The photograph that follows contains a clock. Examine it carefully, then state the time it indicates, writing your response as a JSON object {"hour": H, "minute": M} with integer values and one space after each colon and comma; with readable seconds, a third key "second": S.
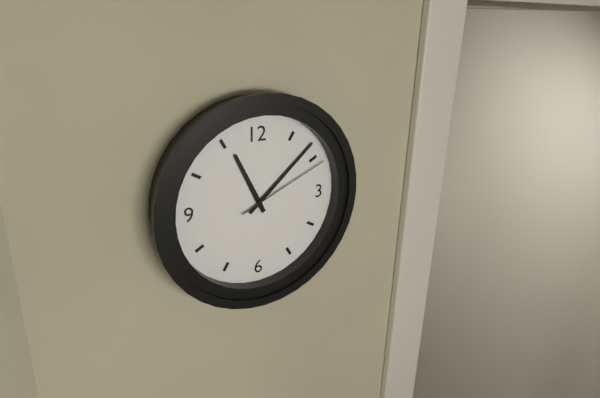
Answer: {"hour": 11, "minute": 8, "second": 11}
